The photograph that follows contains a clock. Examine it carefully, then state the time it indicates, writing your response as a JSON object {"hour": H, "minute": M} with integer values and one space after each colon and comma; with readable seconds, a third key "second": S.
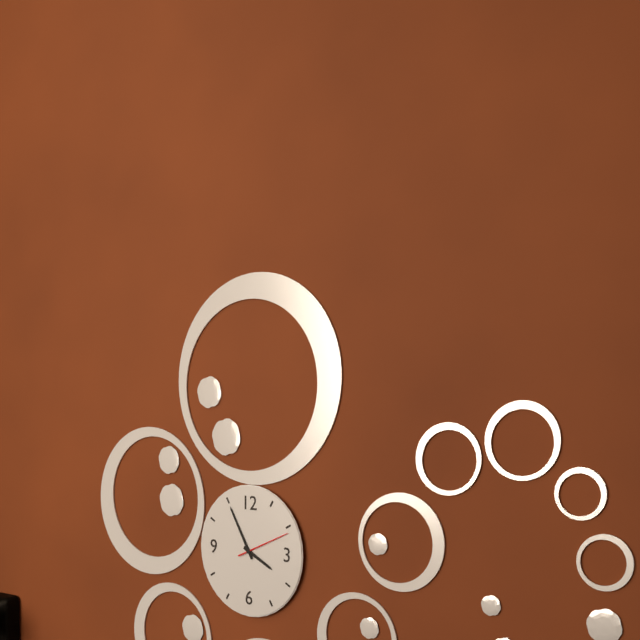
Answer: {"hour": 3, "minute": 55}
